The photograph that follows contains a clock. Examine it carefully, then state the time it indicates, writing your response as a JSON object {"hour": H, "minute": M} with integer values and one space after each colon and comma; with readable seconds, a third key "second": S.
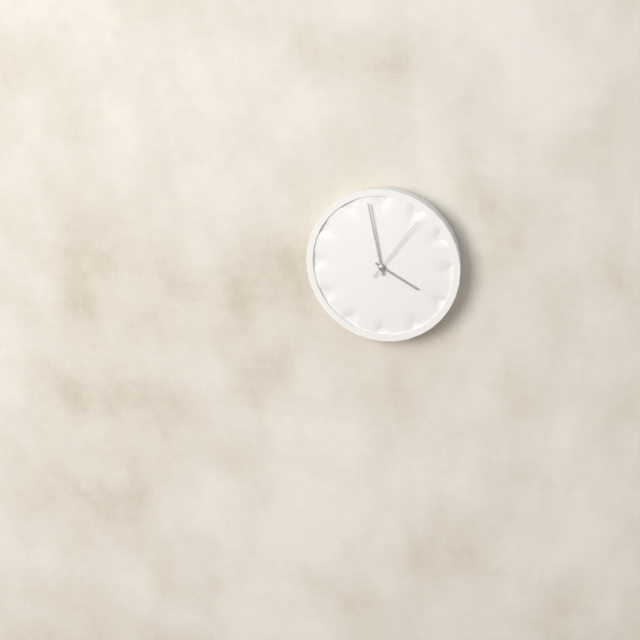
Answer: {"hour": 3, "minute": 58, "second": 6}
